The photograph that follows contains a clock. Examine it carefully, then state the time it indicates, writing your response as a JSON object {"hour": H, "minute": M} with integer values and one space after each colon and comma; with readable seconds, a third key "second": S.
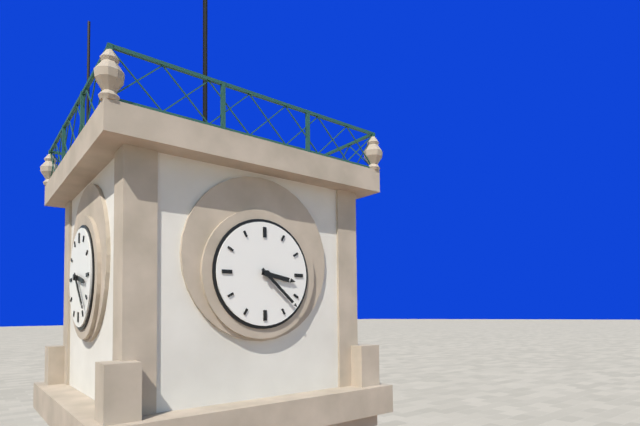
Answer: {"hour": 3, "minute": 22}
